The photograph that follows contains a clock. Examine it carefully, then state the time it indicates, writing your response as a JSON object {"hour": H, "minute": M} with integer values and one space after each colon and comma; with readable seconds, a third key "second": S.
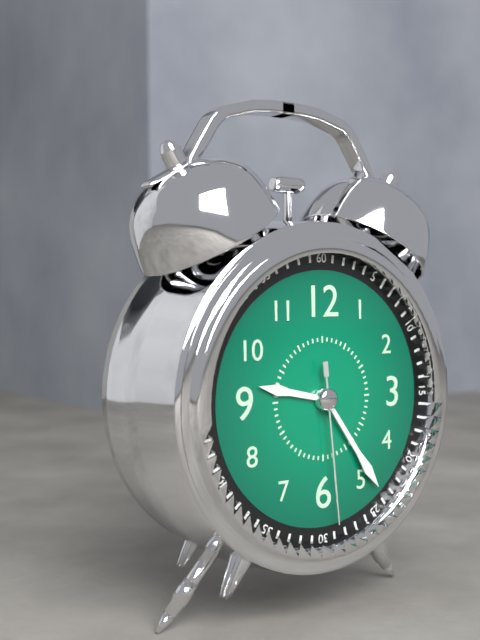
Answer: {"hour": 9, "minute": 24, "second": 29}
